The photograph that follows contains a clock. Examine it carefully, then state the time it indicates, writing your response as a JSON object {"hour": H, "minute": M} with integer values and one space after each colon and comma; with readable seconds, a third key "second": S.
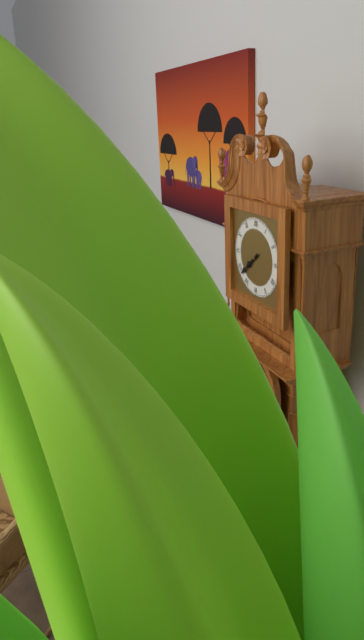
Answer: {"hour": 7, "minute": 38}
